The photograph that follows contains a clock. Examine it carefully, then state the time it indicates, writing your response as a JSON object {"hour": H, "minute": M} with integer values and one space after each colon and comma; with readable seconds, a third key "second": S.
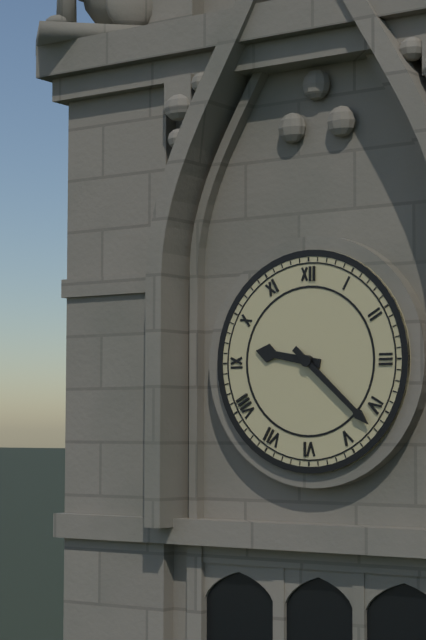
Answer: {"hour": 9, "minute": 22}
